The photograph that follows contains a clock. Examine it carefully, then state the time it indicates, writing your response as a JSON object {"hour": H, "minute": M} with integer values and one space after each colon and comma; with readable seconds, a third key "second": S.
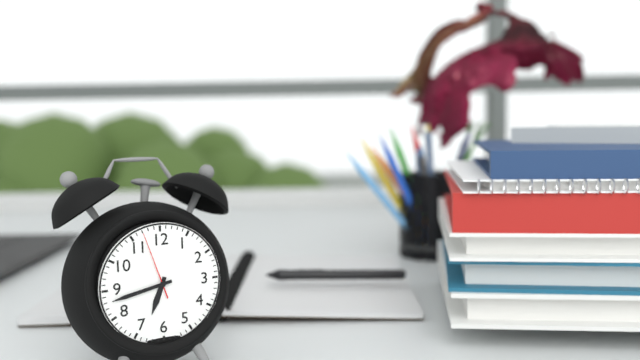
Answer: {"hour": 6, "minute": 43, "second": 57}
